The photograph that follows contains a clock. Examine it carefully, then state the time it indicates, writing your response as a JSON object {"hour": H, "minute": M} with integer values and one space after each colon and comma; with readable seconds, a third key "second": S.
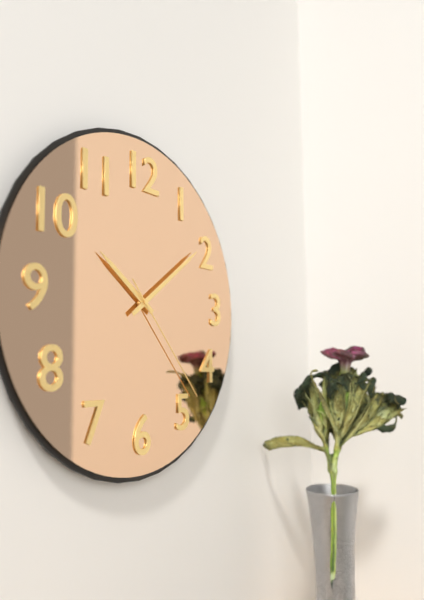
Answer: {"hour": 10, "minute": 9, "second": 23}
